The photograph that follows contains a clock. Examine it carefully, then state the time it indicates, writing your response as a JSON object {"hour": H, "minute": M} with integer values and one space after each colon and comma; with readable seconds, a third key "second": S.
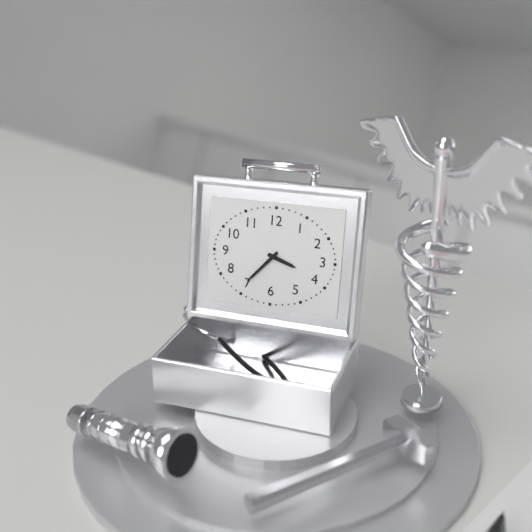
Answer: {"hour": 3, "minute": 37}
